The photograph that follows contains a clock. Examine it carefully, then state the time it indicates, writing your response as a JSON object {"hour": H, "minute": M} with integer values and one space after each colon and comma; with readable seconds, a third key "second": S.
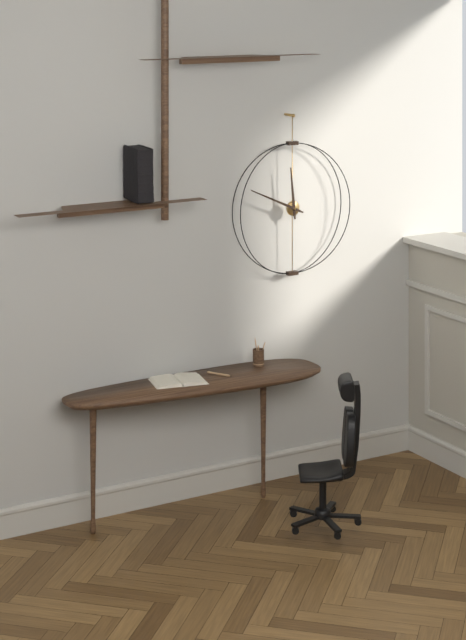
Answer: {"hour": 11, "minute": 49}
